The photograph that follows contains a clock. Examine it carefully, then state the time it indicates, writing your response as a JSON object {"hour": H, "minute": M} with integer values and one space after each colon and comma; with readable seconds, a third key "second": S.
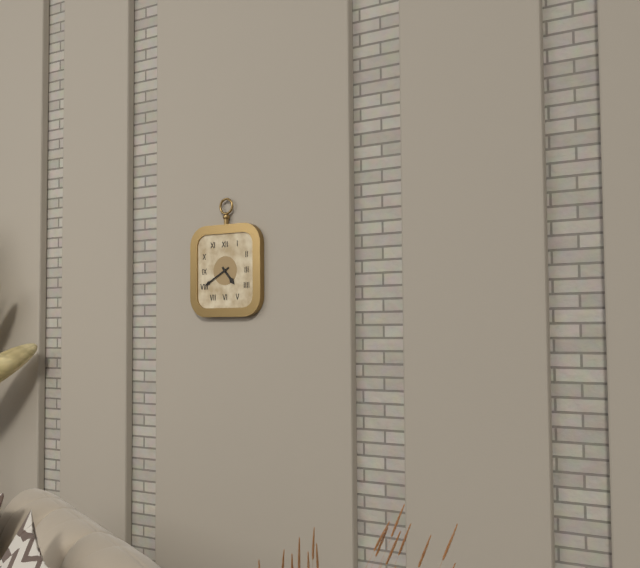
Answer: {"hour": 4, "minute": 40}
